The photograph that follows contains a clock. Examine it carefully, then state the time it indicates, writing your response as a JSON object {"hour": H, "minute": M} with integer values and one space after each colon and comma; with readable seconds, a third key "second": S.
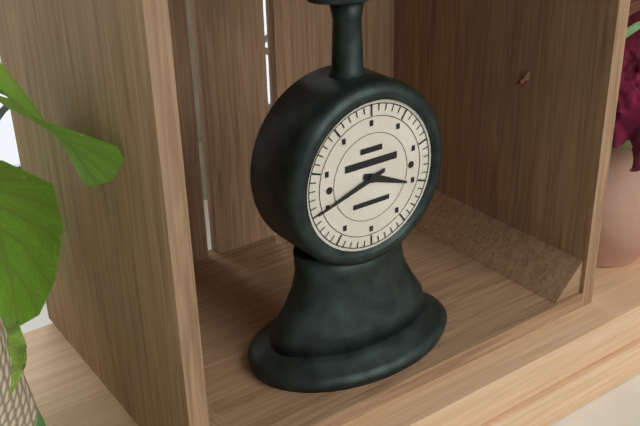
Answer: {"hour": 3, "minute": 42}
